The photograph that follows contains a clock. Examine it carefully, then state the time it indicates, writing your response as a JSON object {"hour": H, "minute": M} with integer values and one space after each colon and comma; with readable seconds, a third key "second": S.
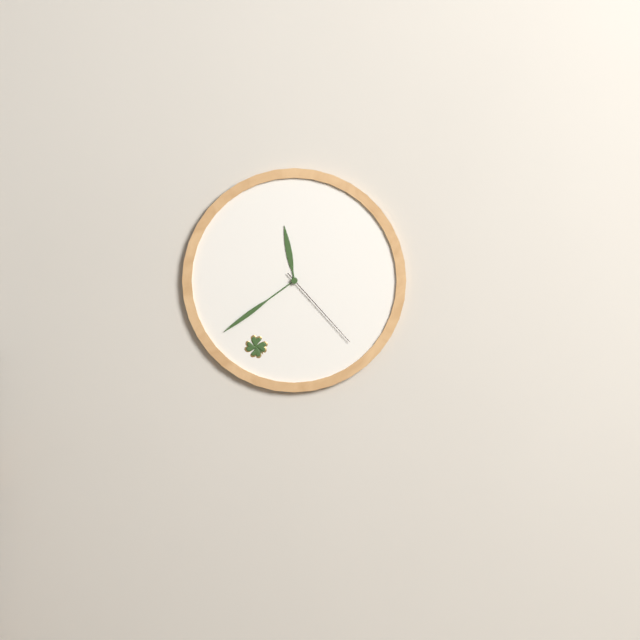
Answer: {"hour": 11, "minute": 39, "second": 23}
